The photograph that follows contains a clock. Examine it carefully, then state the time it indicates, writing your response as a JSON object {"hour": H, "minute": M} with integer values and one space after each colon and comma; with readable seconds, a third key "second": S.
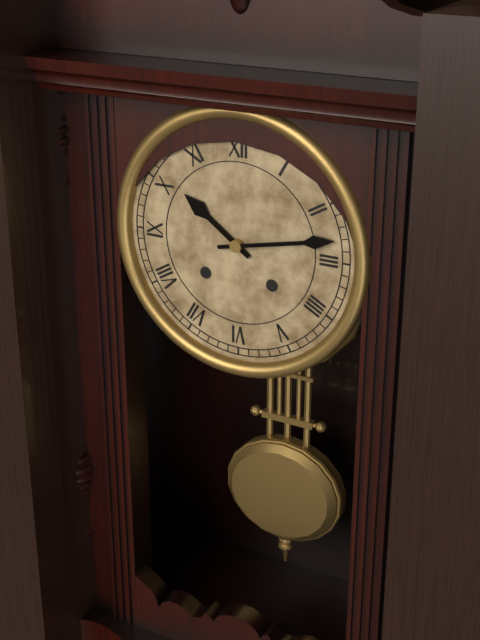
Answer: {"hour": 10, "minute": 13}
